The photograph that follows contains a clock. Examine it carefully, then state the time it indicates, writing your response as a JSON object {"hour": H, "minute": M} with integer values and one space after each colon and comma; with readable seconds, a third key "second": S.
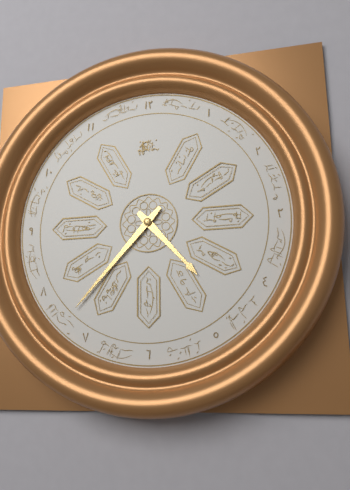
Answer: {"hour": 4, "minute": 37}
